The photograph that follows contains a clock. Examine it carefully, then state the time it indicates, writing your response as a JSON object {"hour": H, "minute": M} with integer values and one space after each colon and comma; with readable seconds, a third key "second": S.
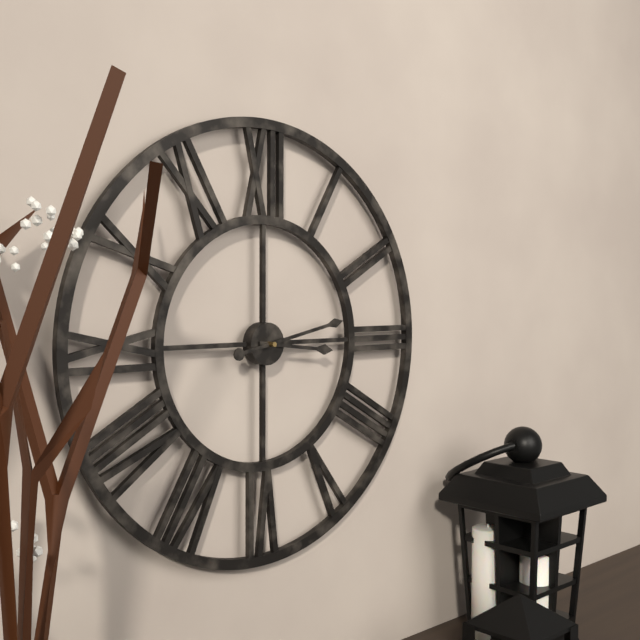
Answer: {"hour": 3, "minute": 13}
